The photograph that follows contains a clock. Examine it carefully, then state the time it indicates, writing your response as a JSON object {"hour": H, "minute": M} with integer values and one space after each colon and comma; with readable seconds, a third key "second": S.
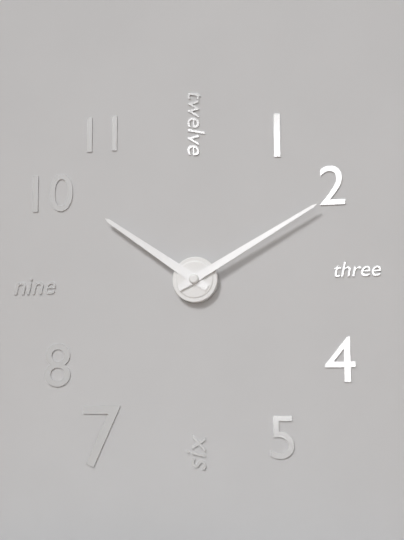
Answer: {"hour": 10, "minute": 10}
